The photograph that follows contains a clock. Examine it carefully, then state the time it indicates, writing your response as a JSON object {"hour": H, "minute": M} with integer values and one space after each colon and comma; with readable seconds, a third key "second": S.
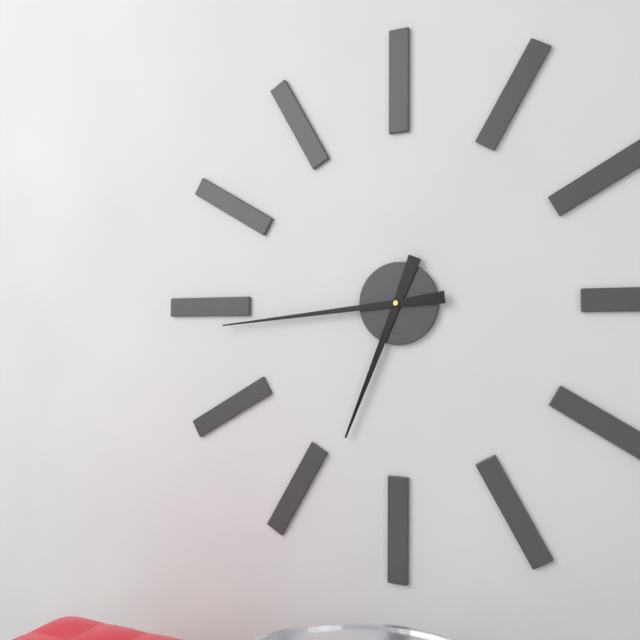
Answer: {"hour": 6, "minute": 44}
